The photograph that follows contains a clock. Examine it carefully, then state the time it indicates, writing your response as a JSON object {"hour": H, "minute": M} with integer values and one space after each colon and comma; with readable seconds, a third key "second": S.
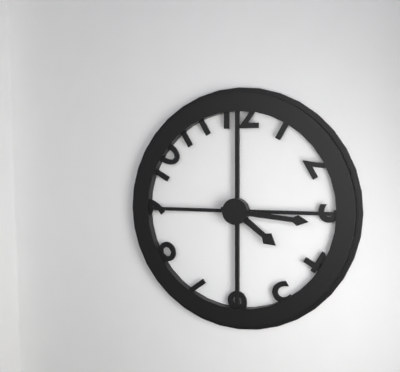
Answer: {"hour": 4, "minute": 16}
